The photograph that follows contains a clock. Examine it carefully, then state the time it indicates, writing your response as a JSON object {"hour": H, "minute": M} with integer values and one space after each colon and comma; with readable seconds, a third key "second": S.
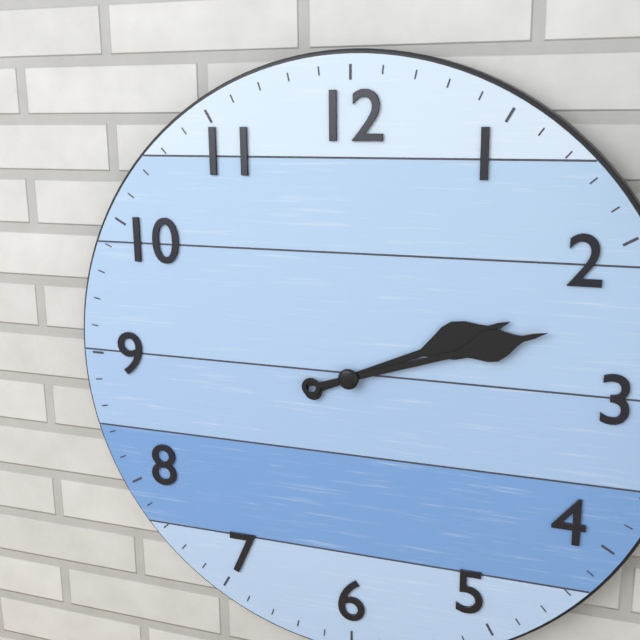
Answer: {"hour": 2, "minute": 12}
